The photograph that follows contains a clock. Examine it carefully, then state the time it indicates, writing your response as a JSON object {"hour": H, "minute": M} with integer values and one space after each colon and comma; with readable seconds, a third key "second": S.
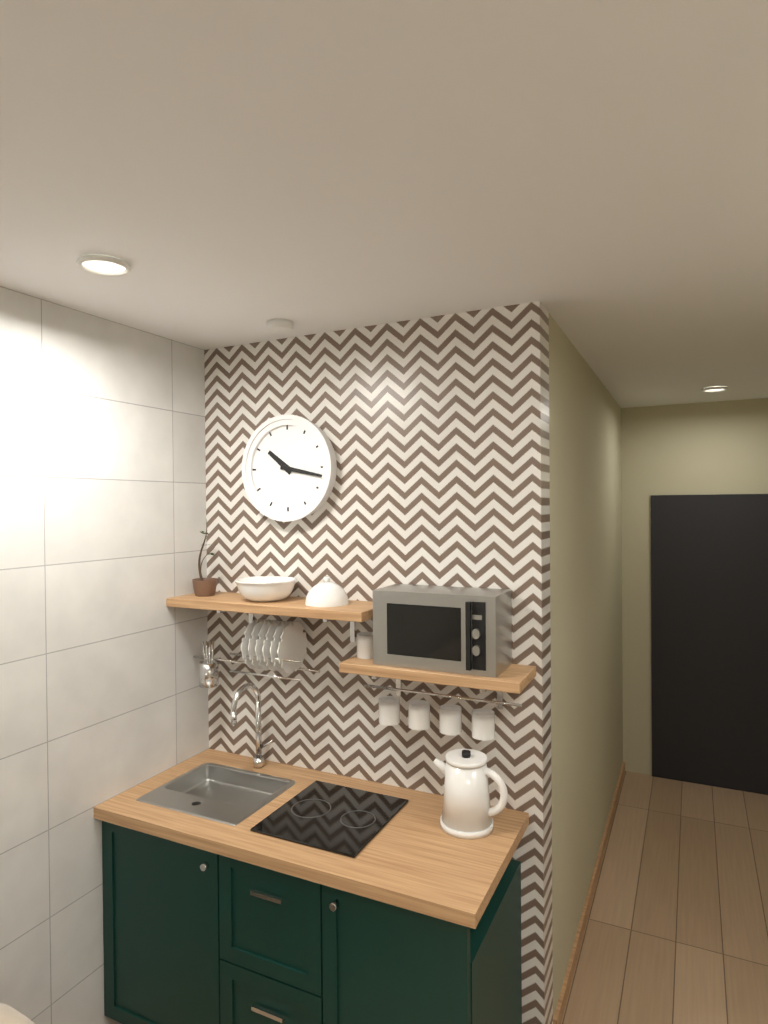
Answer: {"hour": 10, "minute": 17}
